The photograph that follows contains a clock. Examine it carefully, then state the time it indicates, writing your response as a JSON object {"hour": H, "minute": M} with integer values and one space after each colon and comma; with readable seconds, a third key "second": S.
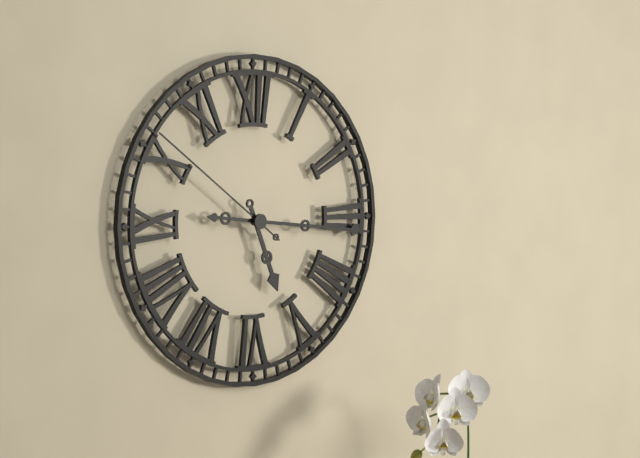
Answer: {"hour": 5, "minute": 16, "second": 51}
